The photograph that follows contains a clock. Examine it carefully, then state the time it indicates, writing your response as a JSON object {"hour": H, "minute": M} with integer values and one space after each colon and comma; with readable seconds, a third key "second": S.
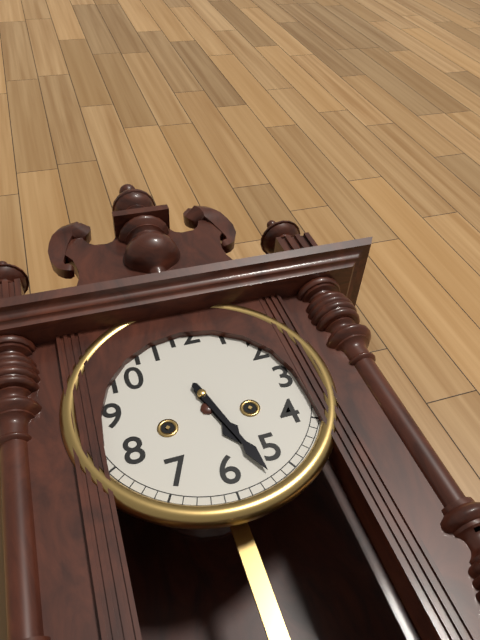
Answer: {"hour": 5, "minute": 27}
